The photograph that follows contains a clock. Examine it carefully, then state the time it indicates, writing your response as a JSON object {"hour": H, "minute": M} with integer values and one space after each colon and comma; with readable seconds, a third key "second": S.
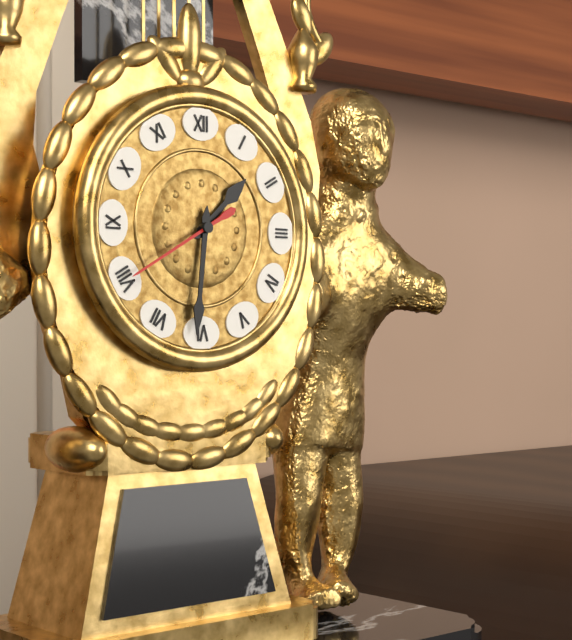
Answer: {"hour": 1, "minute": 31, "second": 40}
